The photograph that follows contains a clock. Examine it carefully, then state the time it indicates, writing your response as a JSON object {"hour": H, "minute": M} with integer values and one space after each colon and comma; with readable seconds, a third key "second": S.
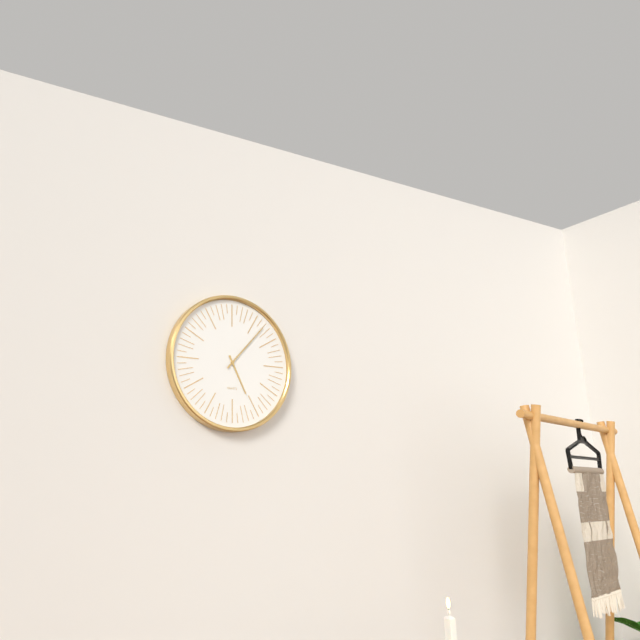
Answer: {"hour": 5, "minute": 7}
